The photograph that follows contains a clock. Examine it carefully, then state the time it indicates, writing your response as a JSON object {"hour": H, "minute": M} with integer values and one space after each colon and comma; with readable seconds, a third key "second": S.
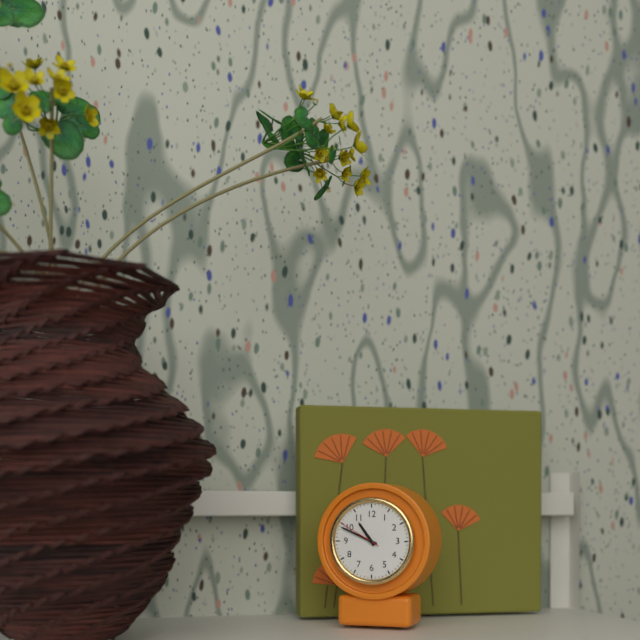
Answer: {"hour": 10, "minute": 49}
